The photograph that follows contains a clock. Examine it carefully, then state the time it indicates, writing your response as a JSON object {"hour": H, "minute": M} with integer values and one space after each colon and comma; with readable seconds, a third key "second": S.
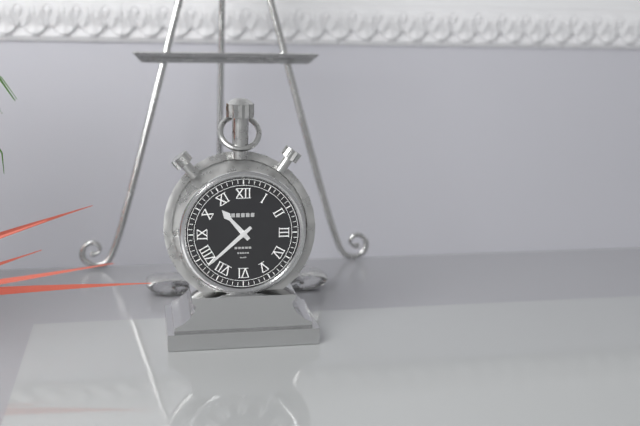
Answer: {"hour": 10, "minute": 38}
